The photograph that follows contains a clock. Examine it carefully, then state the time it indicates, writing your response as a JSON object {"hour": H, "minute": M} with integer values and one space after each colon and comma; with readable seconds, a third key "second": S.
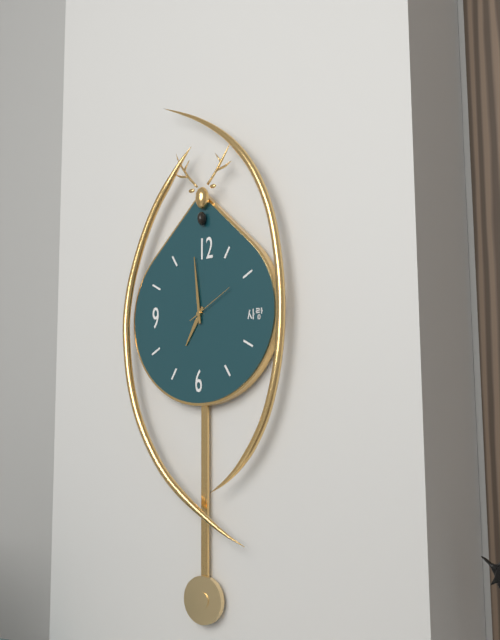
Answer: {"hour": 6, "minute": 59}
